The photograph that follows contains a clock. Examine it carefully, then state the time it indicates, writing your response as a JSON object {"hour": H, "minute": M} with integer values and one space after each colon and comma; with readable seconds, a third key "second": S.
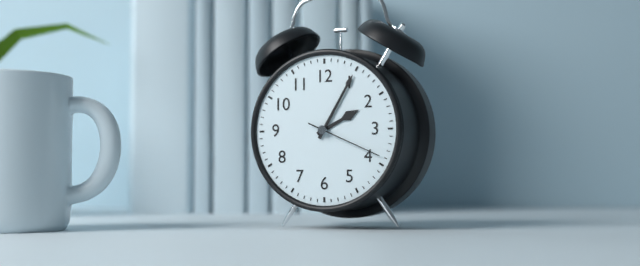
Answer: {"hour": 2, "minute": 5, "second": 19}
